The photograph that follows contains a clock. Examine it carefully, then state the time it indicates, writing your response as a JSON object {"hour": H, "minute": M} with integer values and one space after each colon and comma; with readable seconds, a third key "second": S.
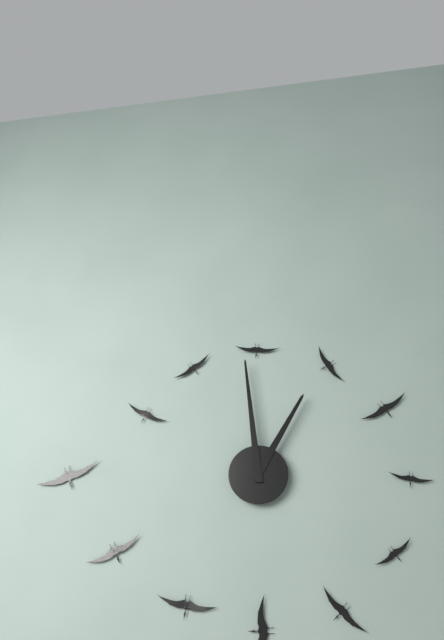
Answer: {"hour": 12, "minute": 59}
